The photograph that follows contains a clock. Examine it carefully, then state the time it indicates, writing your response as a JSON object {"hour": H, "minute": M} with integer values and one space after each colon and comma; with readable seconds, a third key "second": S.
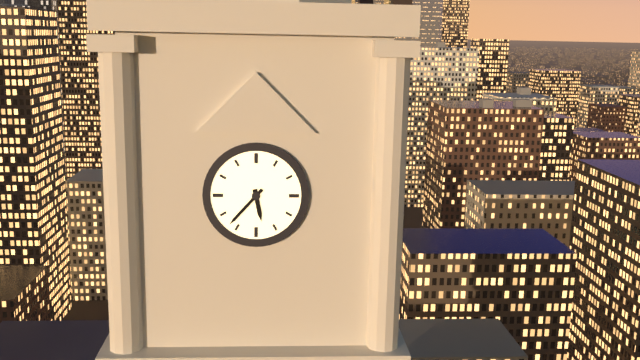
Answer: {"hour": 5, "minute": 37}
